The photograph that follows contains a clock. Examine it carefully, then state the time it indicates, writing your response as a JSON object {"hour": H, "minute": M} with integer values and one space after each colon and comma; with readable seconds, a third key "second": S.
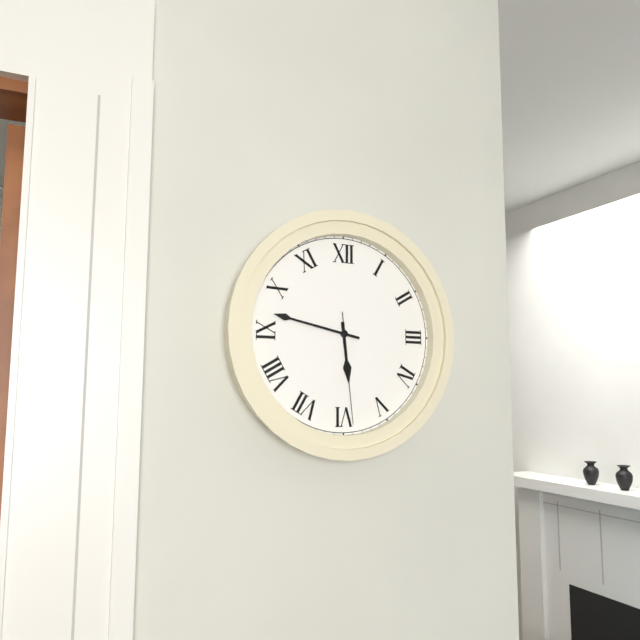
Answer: {"hour": 5, "minute": 47, "second": 29}
